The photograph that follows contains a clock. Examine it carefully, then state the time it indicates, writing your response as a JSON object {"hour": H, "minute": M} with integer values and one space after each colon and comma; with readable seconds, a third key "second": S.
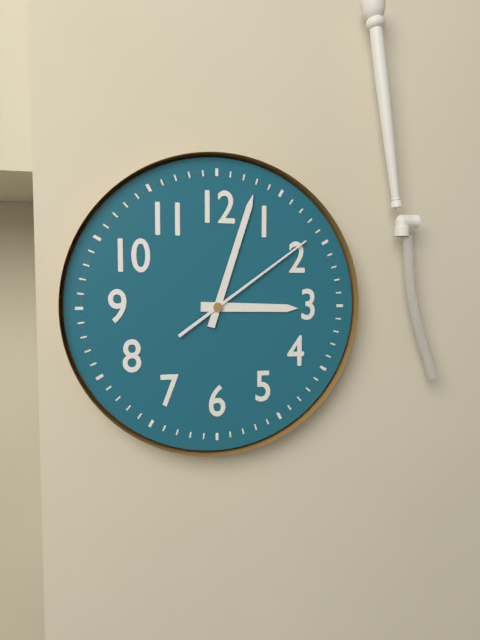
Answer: {"hour": 3, "minute": 3, "second": 9}
